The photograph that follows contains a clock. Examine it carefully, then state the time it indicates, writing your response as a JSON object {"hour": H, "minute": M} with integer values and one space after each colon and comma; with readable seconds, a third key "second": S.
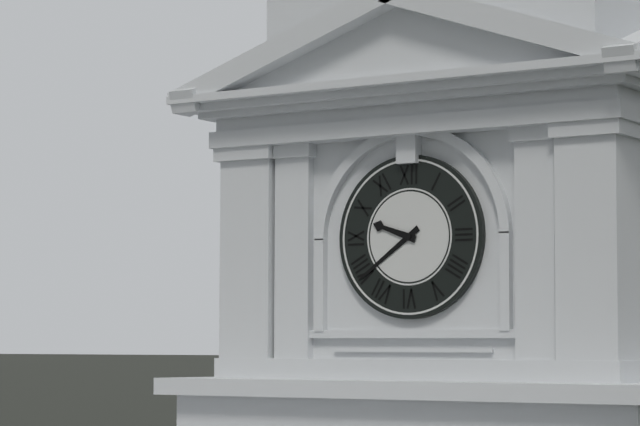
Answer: {"hour": 9, "minute": 39}
